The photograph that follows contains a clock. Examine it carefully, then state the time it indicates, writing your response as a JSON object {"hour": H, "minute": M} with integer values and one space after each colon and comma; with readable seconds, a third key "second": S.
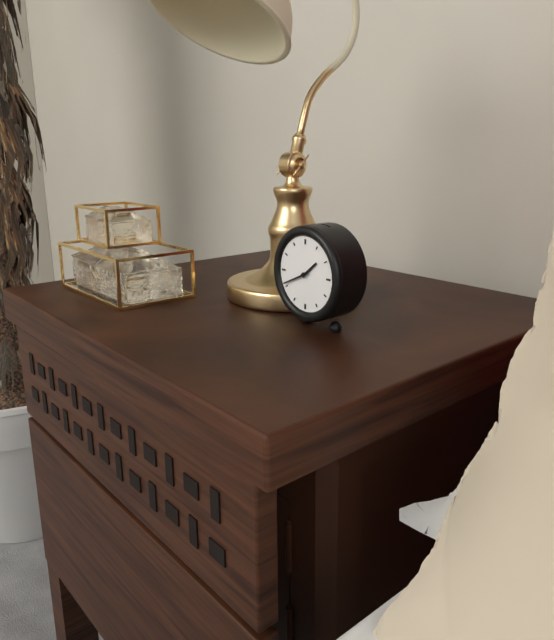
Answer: {"hour": 1, "minute": 41}
